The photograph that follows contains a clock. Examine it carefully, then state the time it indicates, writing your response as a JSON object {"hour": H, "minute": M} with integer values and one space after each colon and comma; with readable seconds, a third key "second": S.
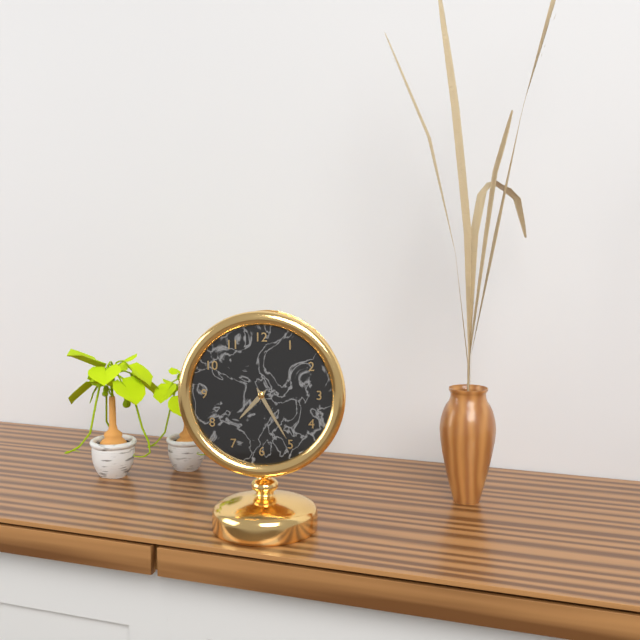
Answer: {"hour": 7, "minute": 25}
